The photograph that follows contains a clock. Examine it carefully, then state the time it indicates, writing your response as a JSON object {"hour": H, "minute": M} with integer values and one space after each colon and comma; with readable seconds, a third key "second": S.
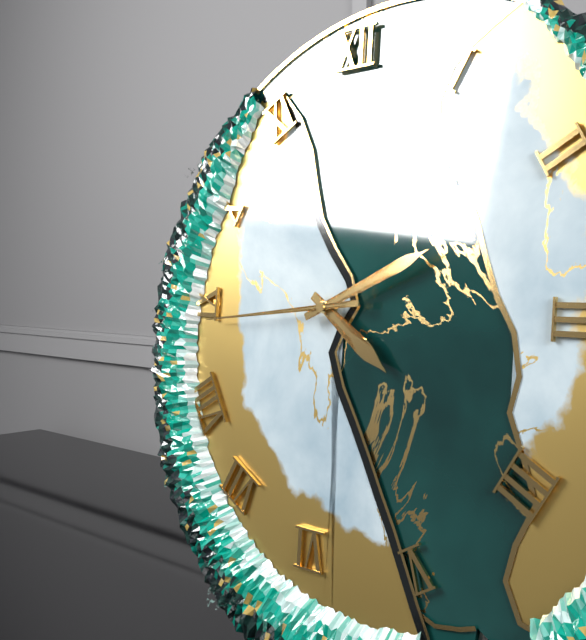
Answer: {"hour": 4, "minute": 11, "second": 44}
